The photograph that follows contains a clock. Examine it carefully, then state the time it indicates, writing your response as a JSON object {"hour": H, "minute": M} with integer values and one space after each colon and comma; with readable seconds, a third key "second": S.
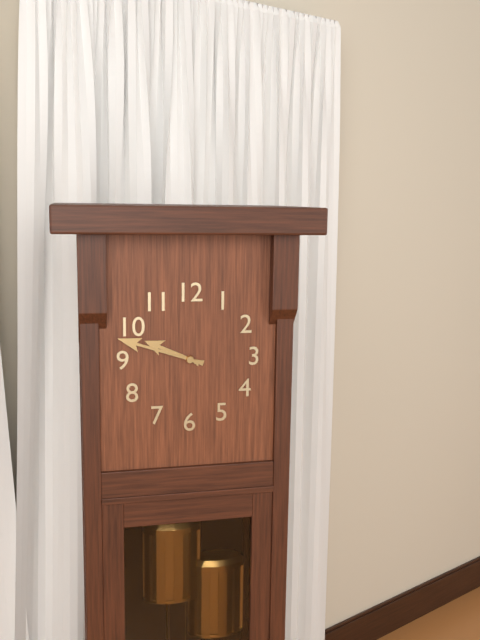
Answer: {"hour": 9, "minute": 48}
